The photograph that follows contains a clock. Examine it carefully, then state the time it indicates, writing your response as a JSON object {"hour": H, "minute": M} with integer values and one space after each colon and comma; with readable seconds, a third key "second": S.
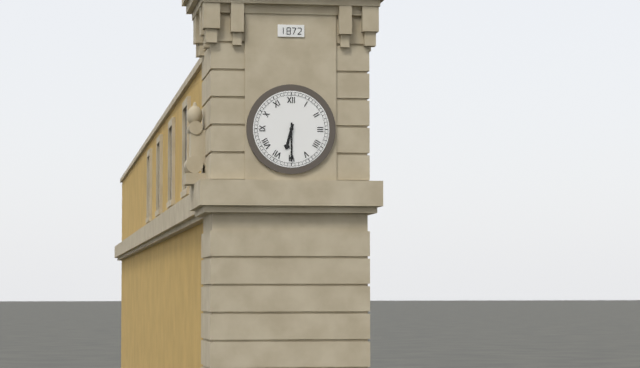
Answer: {"hour": 6, "minute": 30}
